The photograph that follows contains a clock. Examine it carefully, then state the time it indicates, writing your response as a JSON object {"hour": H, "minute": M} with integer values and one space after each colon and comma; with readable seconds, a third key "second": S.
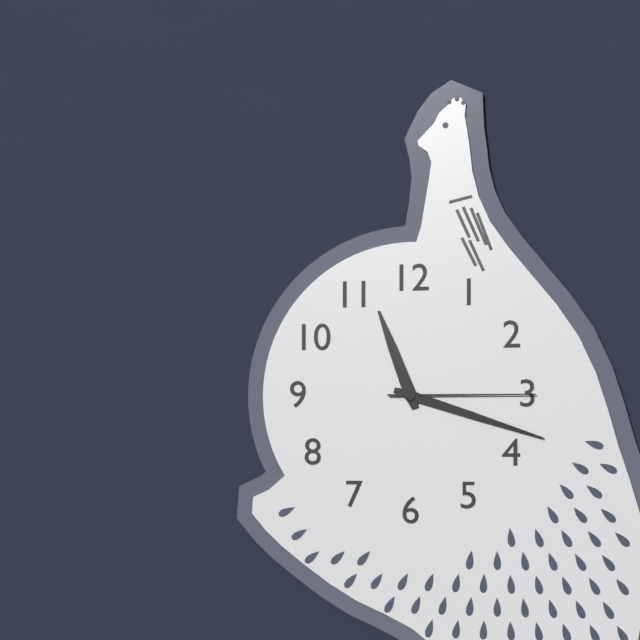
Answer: {"hour": 11, "minute": 18, "second": 15}
